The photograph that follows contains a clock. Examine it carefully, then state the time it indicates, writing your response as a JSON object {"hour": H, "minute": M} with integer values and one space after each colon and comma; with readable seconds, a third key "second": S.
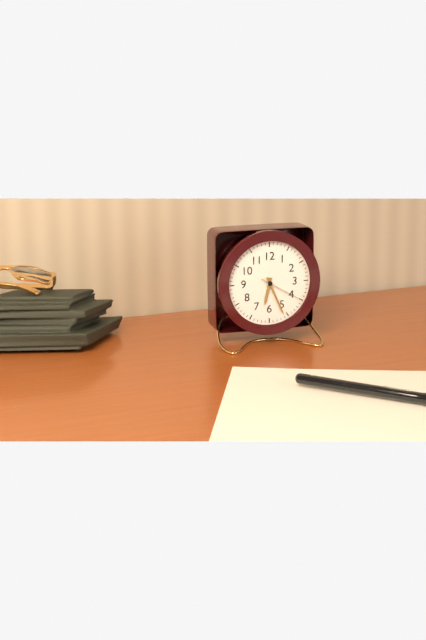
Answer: {"hour": 6, "minute": 26}
